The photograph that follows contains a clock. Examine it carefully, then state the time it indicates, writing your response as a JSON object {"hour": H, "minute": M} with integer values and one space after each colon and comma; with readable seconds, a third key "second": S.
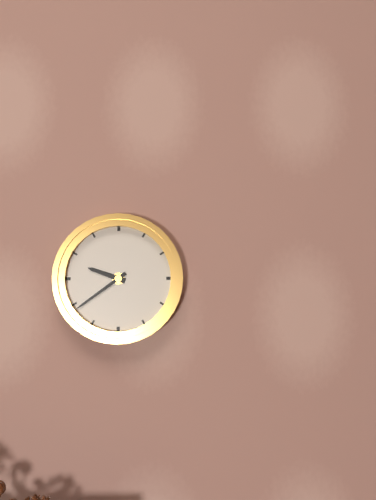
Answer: {"hour": 9, "minute": 39}
